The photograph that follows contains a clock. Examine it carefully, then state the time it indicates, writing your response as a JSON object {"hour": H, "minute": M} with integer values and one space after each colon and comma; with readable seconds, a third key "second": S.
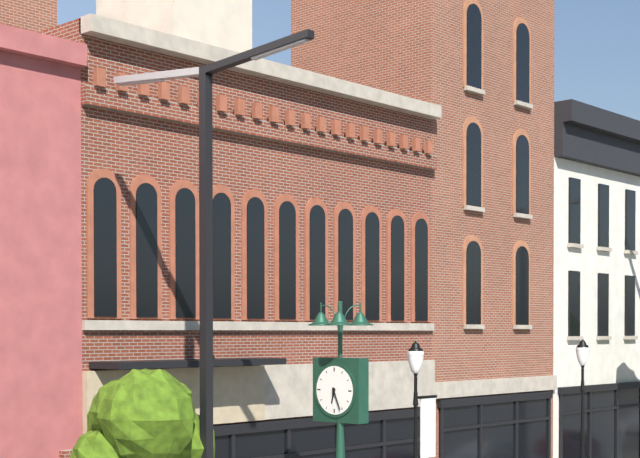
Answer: {"hour": 6, "minute": 26}
